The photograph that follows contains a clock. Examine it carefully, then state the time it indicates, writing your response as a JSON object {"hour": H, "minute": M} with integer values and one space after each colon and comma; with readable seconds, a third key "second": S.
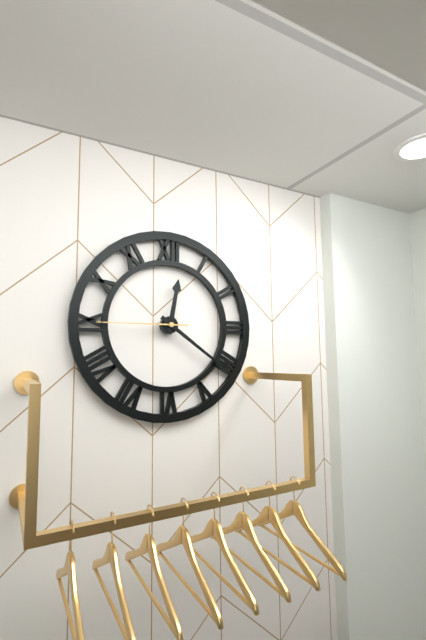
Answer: {"hour": 12, "minute": 21, "second": 45}
